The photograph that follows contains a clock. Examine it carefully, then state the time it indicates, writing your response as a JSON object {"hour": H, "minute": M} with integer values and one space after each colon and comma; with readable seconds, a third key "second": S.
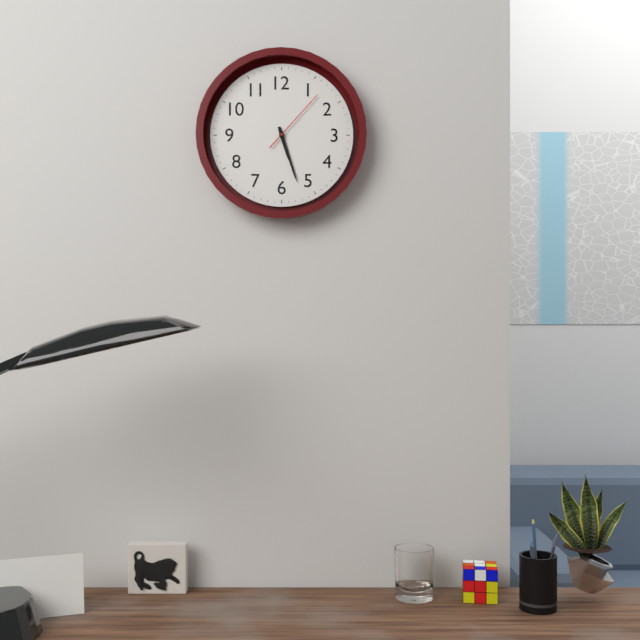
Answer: {"hour": 5, "minute": 27, "second": 7}
